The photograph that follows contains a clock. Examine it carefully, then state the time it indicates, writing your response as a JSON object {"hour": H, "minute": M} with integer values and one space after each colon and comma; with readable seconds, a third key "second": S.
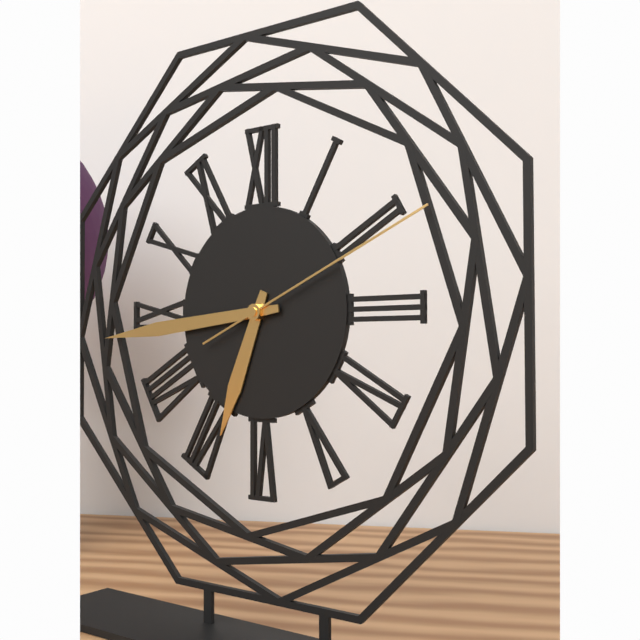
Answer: {"hour": 6, "minute": 44, "second": 11}
